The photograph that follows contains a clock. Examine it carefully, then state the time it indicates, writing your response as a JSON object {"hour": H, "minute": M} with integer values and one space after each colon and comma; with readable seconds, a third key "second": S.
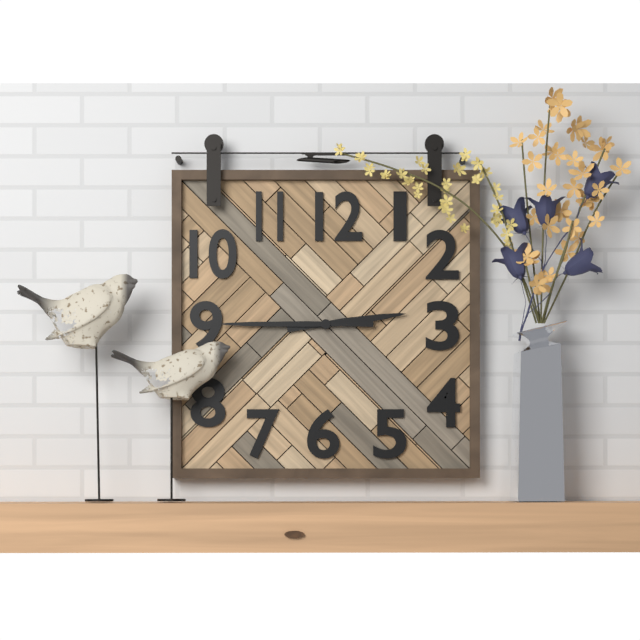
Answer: {"hour": 2, "minute": 45}
